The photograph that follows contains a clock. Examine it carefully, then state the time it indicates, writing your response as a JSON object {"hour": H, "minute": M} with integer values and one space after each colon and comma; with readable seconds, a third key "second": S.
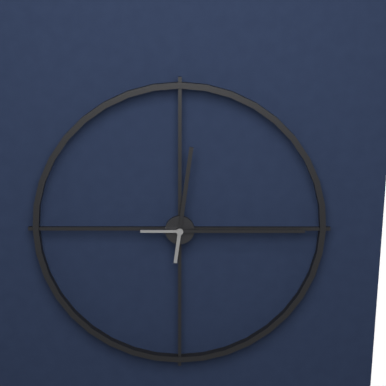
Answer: {"hour": 12, "minute": 15}
